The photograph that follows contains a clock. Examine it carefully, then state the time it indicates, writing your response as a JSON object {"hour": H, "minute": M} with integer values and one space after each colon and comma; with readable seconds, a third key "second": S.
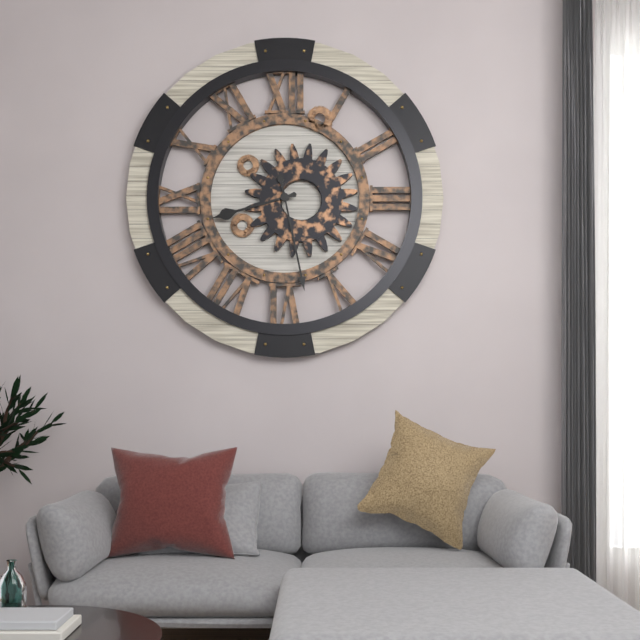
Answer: {"hour": 8, "minute": 28}
